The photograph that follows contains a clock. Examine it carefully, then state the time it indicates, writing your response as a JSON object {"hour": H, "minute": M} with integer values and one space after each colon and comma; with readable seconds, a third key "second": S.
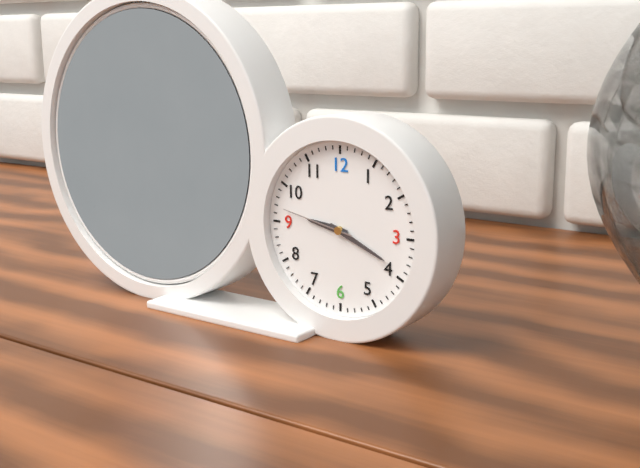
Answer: {"hour": 9, "minute": 19, "second": 47}
